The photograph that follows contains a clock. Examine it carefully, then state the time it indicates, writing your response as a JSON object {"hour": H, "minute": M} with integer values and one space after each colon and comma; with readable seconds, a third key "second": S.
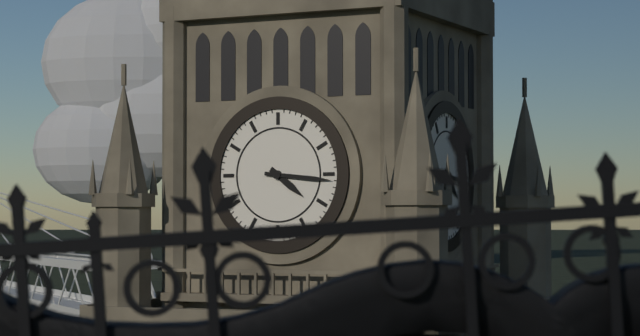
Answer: {"hour": 4, "minute": 16}
